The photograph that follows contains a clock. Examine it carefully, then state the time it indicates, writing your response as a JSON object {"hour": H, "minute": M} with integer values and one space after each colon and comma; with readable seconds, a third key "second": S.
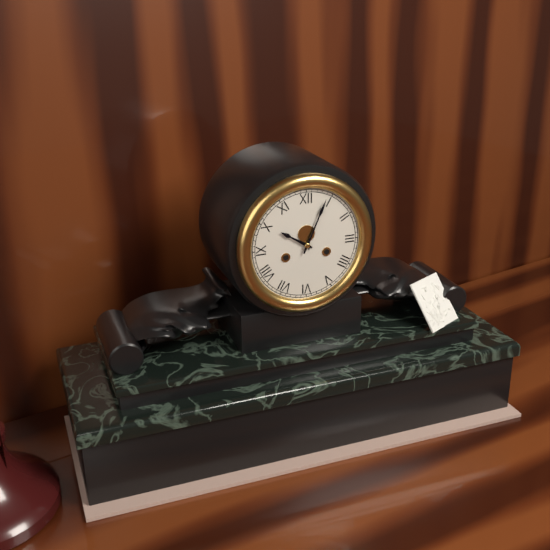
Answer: {"hour": 10, "minute": 4}
